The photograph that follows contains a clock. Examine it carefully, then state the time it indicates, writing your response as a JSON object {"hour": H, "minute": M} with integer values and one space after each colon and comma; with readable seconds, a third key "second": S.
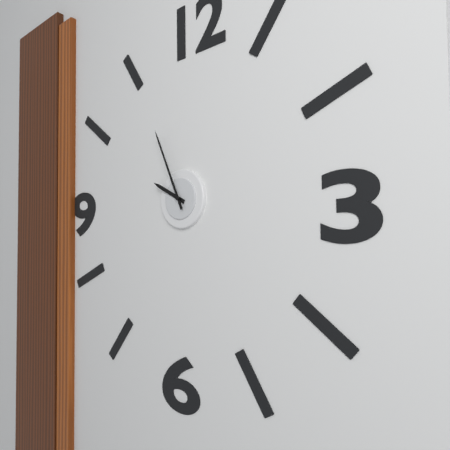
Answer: {"hour": 9, "minute": 56}
